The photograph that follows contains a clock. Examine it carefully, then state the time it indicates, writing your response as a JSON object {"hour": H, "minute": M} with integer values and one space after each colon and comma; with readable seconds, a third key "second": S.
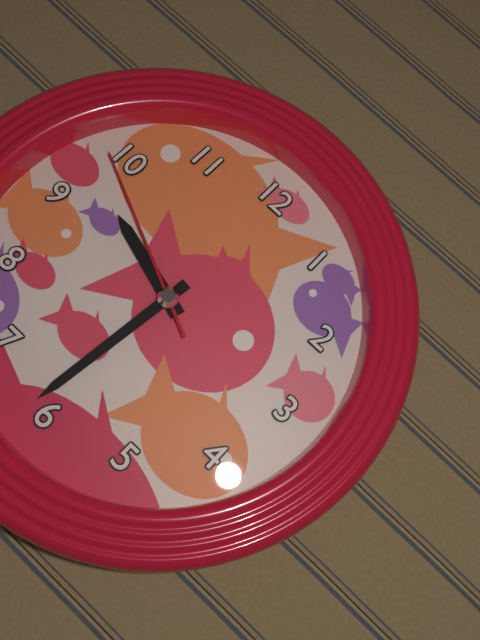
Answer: {"hour": 9, "minute": 31, "second": 49}
